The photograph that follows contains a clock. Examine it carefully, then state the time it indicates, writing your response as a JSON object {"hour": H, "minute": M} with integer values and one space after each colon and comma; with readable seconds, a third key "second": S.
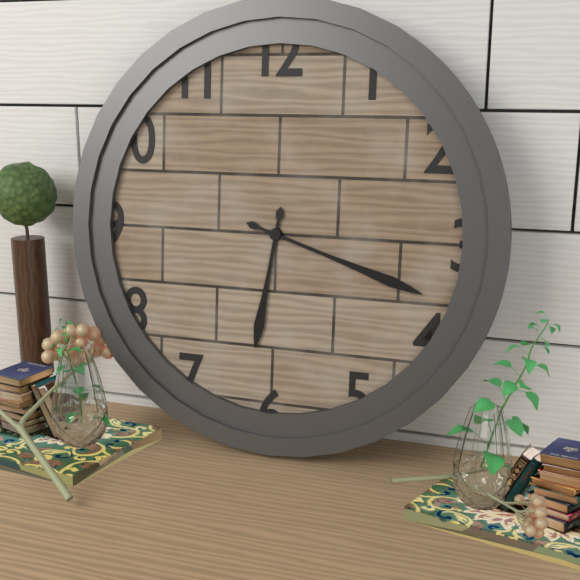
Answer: {"hour": 6, "minute": 18}
